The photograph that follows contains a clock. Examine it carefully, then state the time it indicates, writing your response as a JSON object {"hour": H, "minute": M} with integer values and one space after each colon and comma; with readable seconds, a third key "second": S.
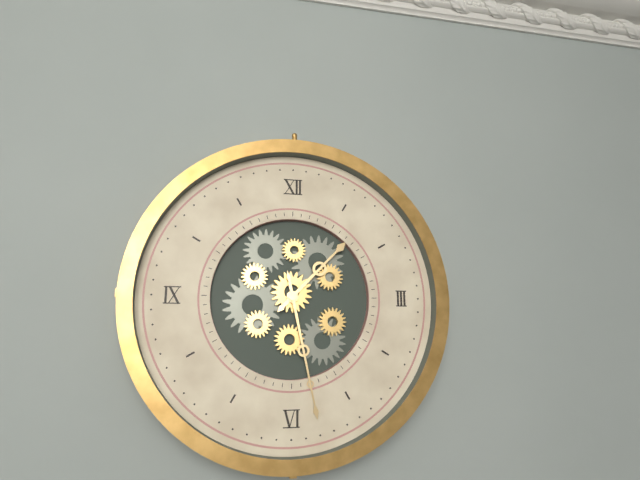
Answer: {"hour": 1, "minute": 28}
